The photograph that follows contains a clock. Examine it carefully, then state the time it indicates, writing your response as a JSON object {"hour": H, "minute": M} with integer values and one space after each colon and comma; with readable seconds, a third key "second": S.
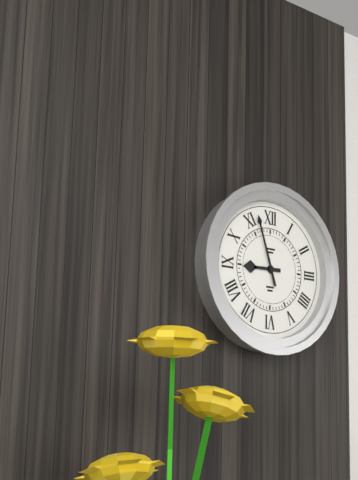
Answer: {"hour": 8, "minute": 57}
